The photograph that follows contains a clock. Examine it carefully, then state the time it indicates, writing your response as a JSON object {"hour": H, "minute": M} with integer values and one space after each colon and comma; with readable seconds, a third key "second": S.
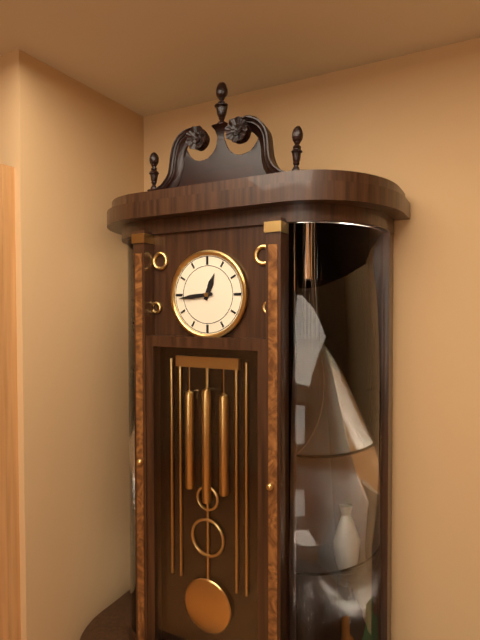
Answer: {"hour": 12, "minute": 44}
